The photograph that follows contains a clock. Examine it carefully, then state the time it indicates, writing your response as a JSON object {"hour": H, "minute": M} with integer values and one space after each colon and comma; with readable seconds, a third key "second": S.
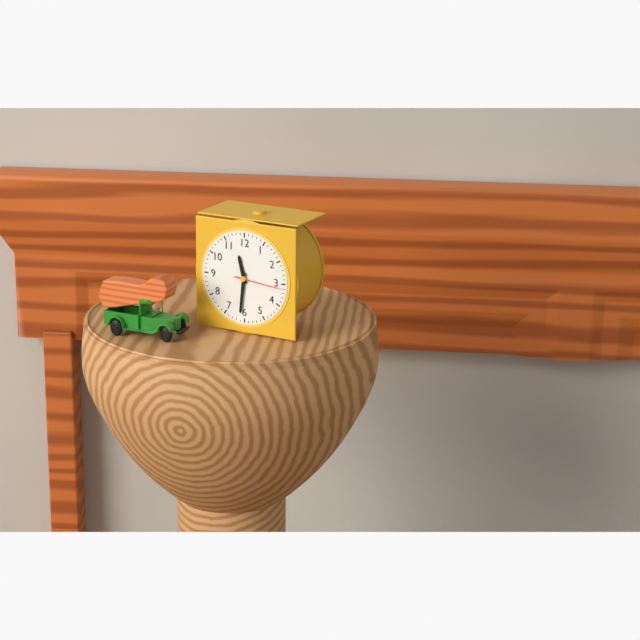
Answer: {"hour": 11, "minute": 31}
